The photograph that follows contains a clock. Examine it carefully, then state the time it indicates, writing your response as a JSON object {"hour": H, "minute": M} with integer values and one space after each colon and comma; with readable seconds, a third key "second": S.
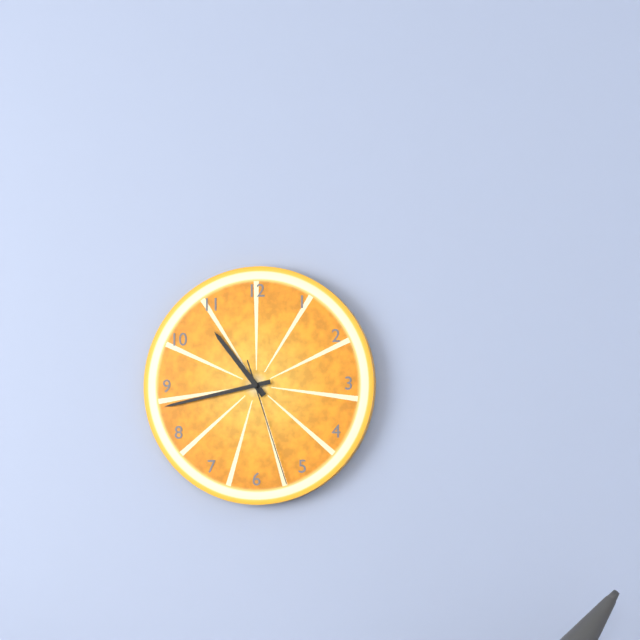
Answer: {"hour": 10, "minute": 43, "second": 27}
